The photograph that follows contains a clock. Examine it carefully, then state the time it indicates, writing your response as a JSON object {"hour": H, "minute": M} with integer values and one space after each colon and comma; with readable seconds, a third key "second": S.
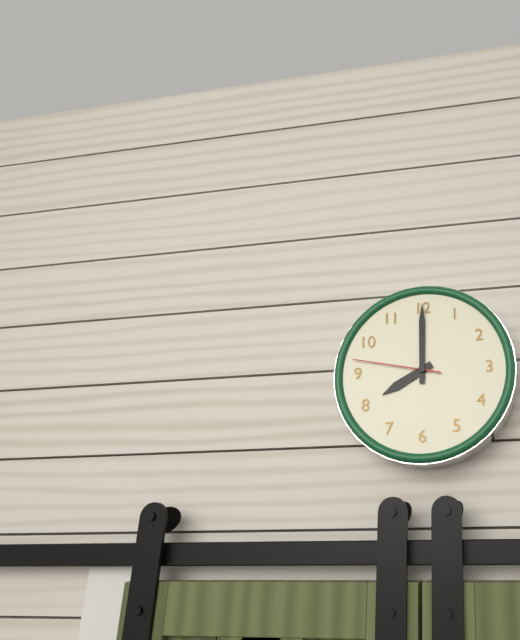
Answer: {"hour": 8, "minute": 0, "second": 47}
